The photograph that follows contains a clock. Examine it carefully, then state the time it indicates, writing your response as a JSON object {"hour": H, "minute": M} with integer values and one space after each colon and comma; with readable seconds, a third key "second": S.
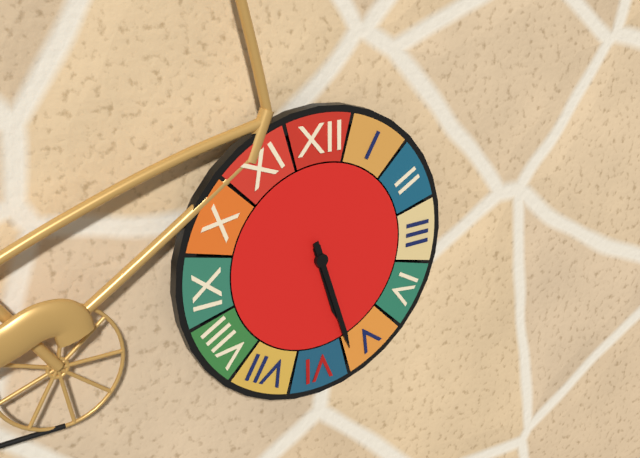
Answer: {"hour": 5, "minute": 27}
